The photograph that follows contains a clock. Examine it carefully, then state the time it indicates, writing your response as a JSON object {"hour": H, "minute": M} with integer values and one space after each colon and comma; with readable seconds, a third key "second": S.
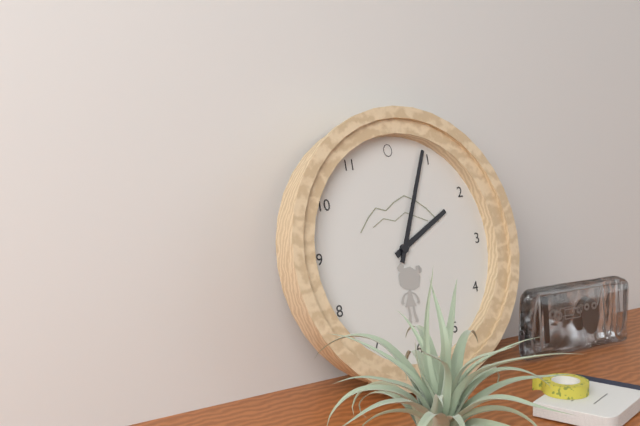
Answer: {"hour": 2, "minute": 4}
